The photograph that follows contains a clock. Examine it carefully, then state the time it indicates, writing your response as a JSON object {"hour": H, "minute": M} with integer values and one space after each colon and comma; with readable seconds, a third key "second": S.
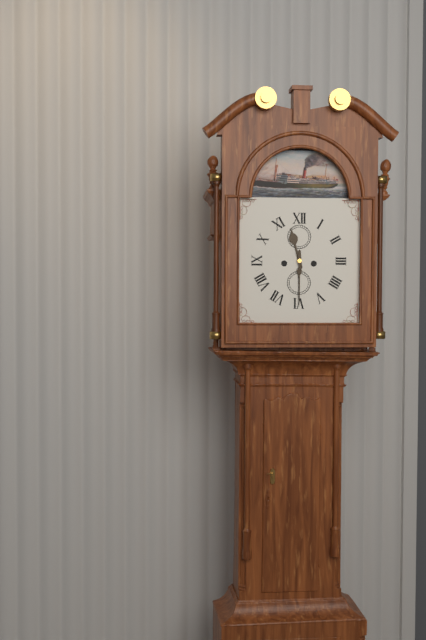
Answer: {"hour": 11, "minute": 30}
